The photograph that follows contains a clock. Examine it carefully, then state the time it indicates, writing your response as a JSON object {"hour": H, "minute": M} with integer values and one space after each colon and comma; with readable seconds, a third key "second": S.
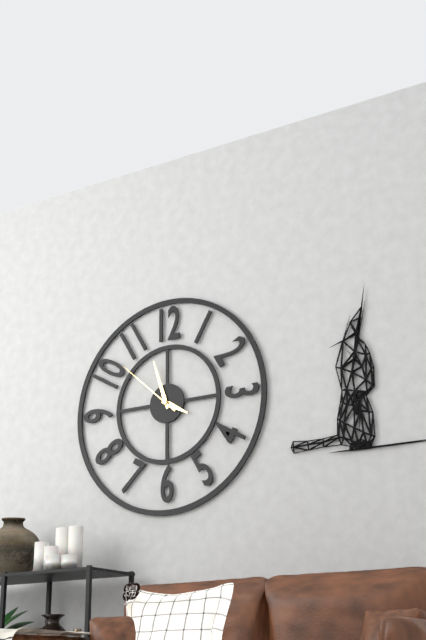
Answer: {"hour": 3, "minute": 57, "second": 52}
